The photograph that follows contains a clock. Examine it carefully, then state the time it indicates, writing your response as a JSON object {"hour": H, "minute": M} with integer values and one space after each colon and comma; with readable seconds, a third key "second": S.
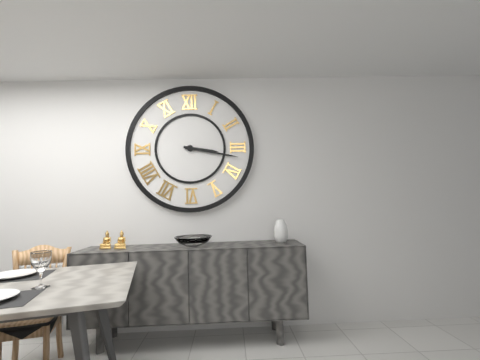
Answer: {"hour": 3, "minute": 17}
